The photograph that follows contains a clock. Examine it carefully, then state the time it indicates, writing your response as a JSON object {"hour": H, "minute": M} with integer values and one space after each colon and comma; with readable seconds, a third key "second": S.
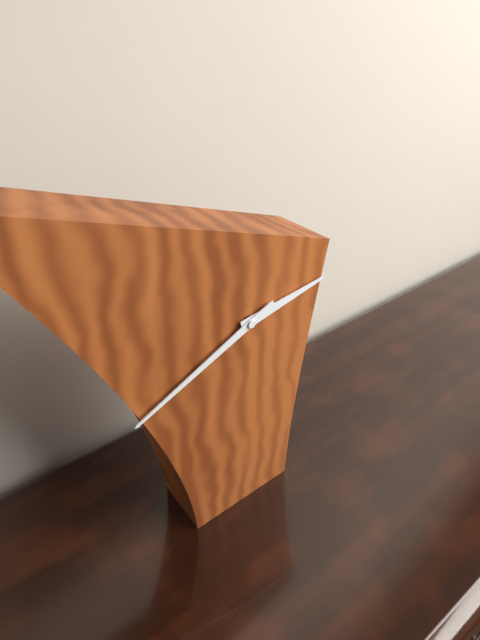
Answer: {"hour": 2, "minute": 41}
